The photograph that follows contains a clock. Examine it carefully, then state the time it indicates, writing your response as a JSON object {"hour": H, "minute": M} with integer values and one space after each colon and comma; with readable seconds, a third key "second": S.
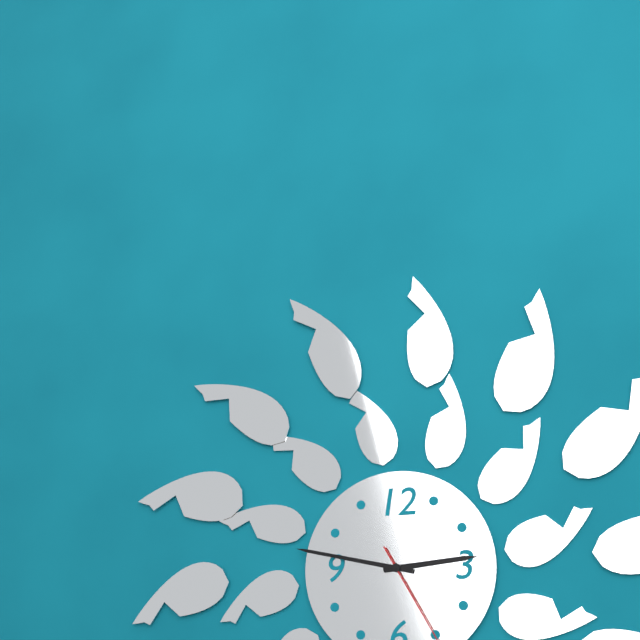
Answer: {"hour": 2, "minute": 47}
